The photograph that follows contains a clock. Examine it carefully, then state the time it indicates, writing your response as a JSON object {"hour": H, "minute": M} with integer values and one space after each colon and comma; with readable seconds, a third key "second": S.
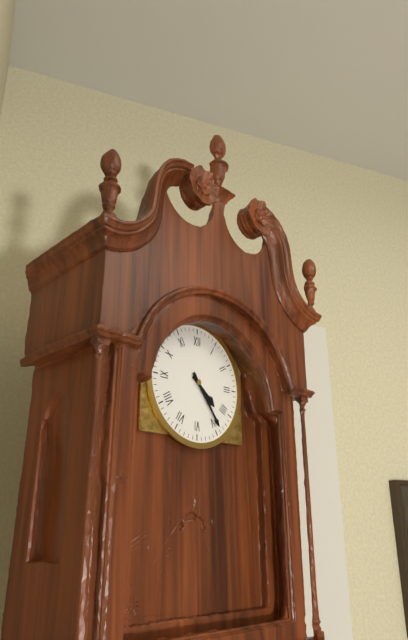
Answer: {"hour": 4, "minute": 24}
